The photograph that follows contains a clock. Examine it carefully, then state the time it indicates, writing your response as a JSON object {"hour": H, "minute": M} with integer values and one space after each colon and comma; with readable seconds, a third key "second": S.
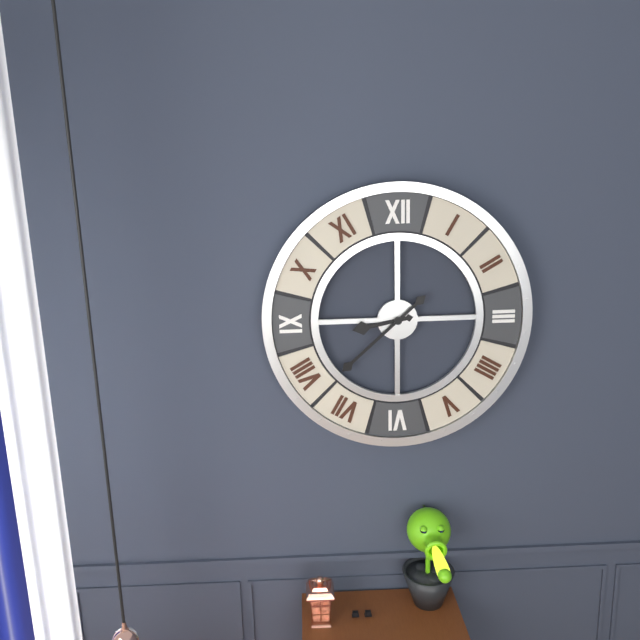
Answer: {"hour": 8, "minute": 38}
